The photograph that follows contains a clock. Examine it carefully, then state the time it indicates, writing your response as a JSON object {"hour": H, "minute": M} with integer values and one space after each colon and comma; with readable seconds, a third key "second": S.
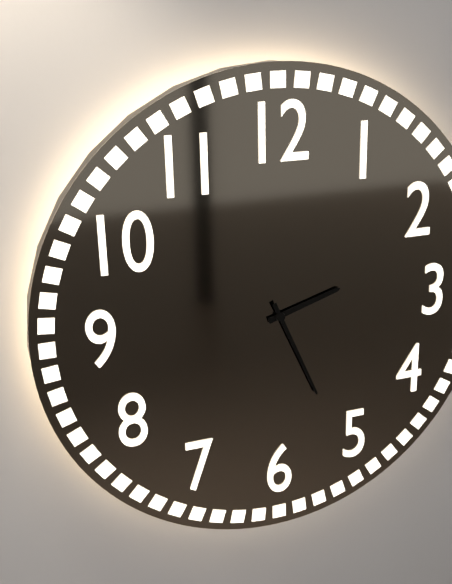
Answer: {"hour": 2, "minute": 26}
